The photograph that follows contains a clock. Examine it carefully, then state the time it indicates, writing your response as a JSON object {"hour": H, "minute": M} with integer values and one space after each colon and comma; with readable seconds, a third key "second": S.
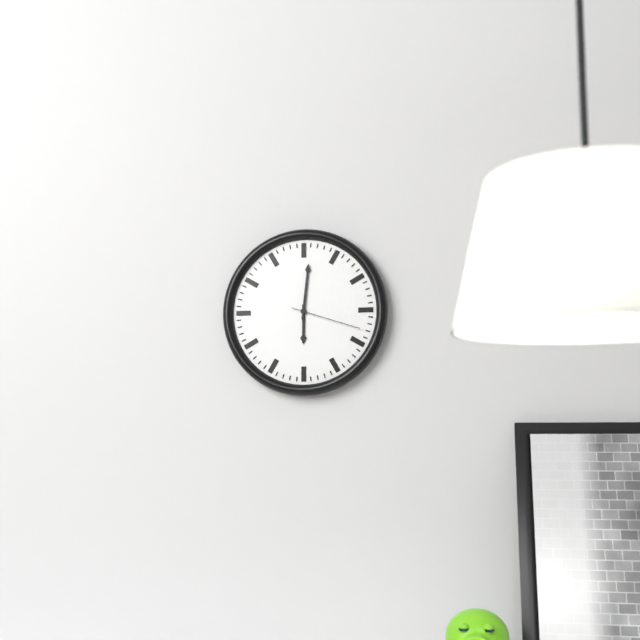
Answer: {"hour": 6, "minute": 1, "second": 18}
